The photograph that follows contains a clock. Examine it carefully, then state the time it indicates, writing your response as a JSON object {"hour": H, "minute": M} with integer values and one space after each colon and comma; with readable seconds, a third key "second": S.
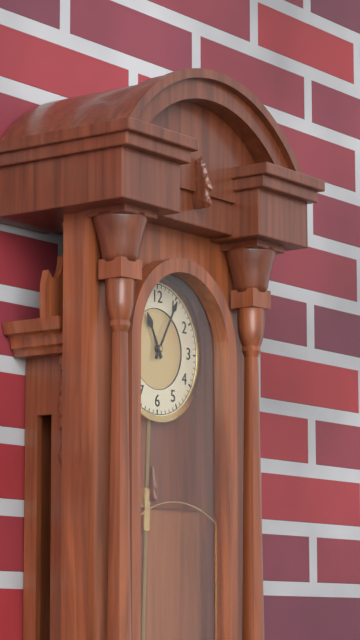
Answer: {"hour": 11, "minute": 5}
